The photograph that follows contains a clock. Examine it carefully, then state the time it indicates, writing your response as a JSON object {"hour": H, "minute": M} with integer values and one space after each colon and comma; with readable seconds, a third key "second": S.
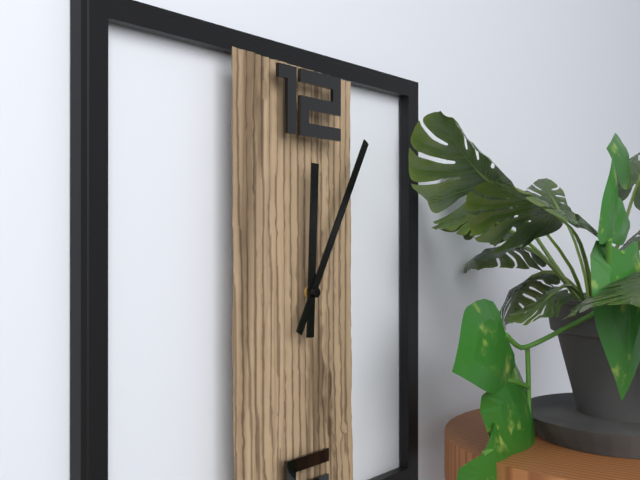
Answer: {"hour": 12, "minute": 5}
